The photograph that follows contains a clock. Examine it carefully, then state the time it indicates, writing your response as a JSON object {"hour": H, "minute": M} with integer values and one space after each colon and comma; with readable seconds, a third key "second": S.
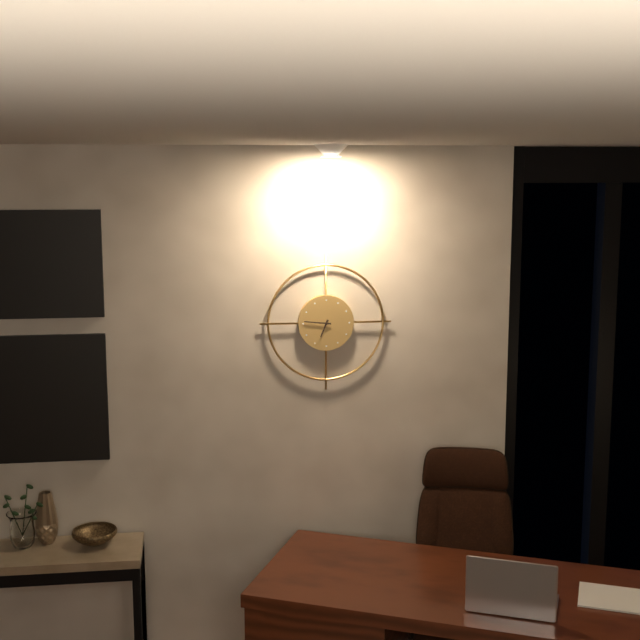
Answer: {"hour": 6, "minute": 46}
